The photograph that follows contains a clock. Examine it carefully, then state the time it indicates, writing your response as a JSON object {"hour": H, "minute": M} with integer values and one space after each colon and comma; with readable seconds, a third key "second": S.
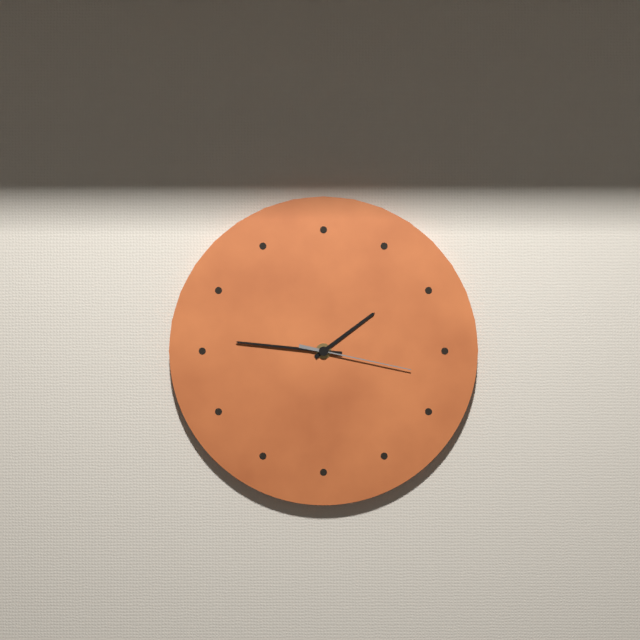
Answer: {"hour": 1, "minute": 46, "second": 17}
